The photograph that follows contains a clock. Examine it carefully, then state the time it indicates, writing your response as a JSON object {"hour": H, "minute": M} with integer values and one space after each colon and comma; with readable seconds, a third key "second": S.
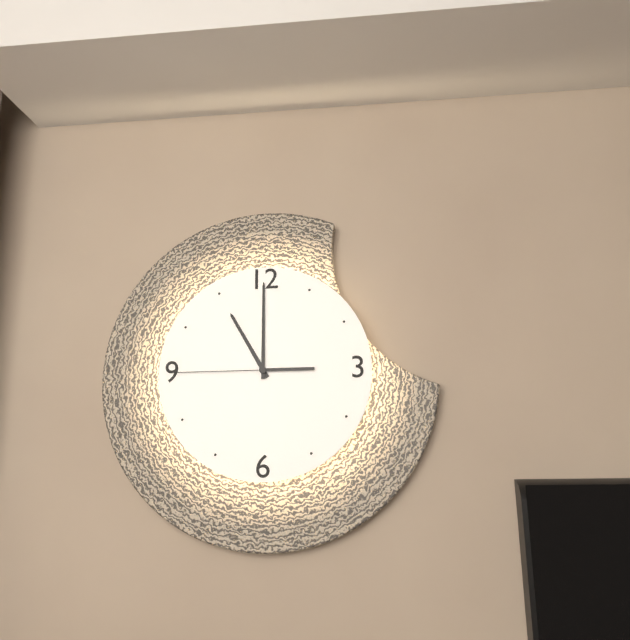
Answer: {"hour": 11, "minute": 0, "second": 45}
